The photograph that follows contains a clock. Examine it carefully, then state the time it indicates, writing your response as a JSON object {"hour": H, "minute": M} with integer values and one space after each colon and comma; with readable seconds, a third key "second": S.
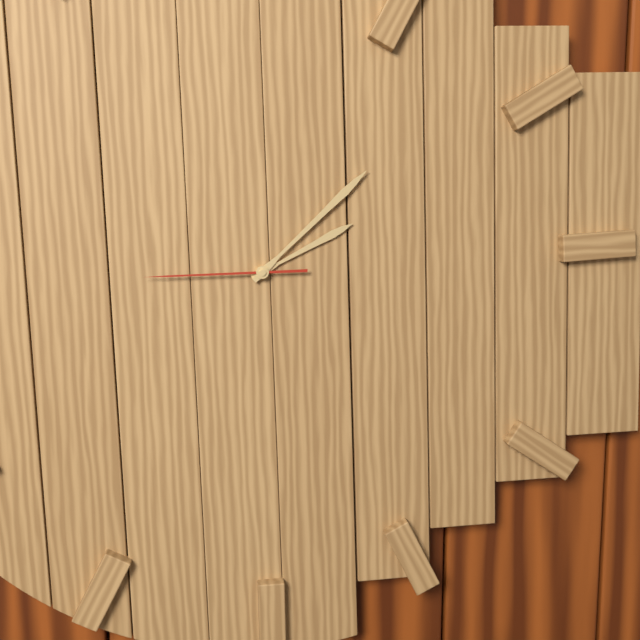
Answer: {"hour": 2, "minute": 8, "second": 45}
